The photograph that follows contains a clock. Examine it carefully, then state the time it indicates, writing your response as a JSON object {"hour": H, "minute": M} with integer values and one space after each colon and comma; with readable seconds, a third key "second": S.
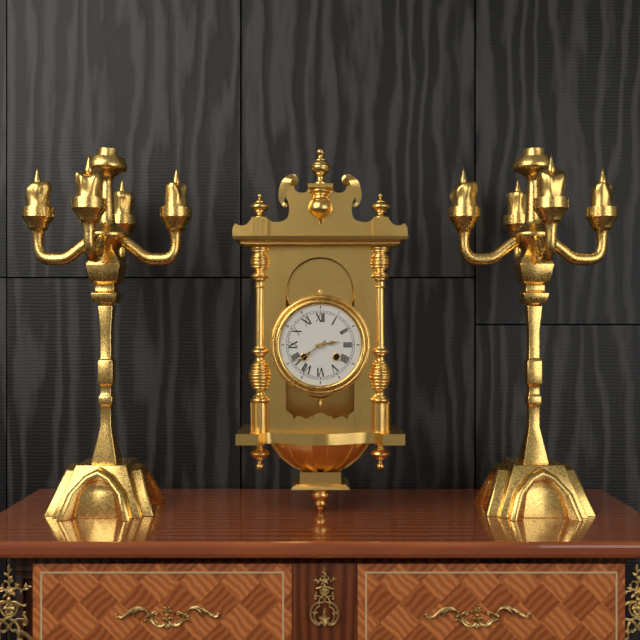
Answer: {"hour": 2, "minute": 39}
